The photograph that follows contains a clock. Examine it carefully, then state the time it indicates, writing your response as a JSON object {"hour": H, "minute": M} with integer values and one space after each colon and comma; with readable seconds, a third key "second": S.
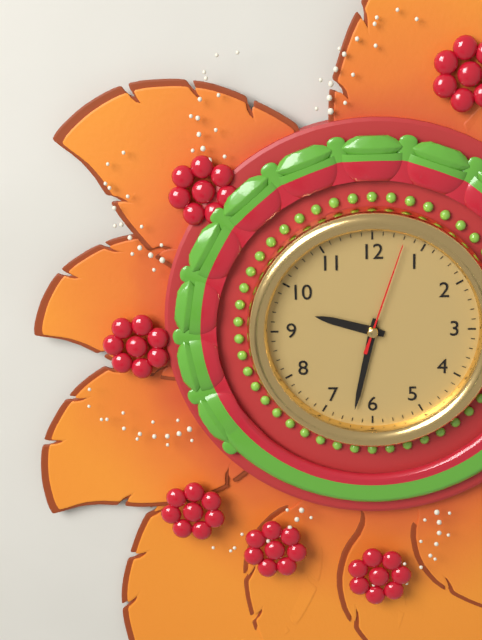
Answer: {"hour": 9, "minute": 32, "second": 3}
